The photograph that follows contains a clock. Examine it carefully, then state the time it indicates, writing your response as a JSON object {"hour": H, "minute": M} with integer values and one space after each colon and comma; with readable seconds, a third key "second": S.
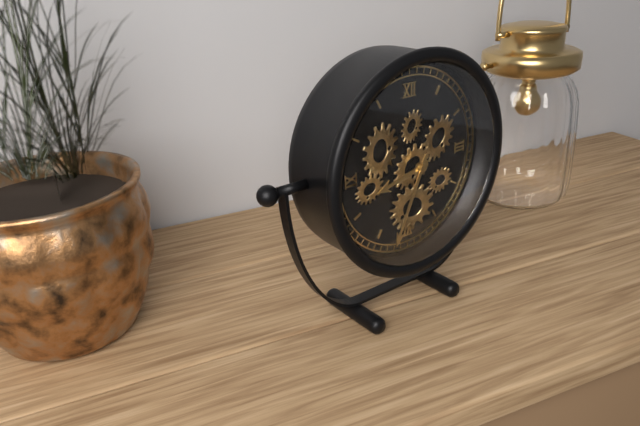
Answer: {"hour": 8, "minute": 34}
